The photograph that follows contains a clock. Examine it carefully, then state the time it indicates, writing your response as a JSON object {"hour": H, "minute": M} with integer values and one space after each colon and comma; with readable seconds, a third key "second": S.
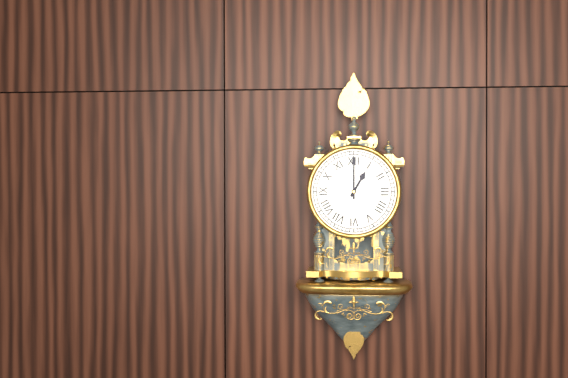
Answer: {"hour": 1, "minute": 0}
